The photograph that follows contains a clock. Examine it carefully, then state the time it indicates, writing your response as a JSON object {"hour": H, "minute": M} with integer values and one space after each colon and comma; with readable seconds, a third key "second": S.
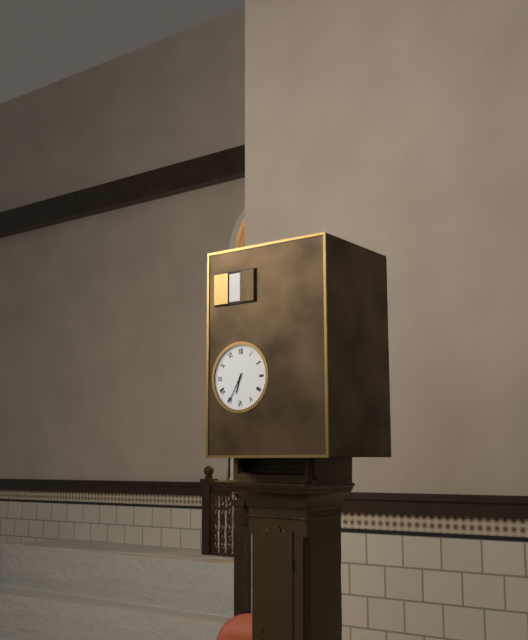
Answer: {"hour": 6, "minute": 35}
